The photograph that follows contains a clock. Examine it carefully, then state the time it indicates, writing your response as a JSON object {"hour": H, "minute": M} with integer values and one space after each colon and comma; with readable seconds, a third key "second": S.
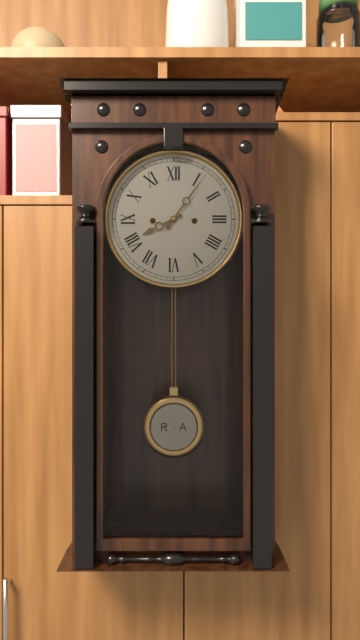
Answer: {"hour": 8, "minute": 6}
